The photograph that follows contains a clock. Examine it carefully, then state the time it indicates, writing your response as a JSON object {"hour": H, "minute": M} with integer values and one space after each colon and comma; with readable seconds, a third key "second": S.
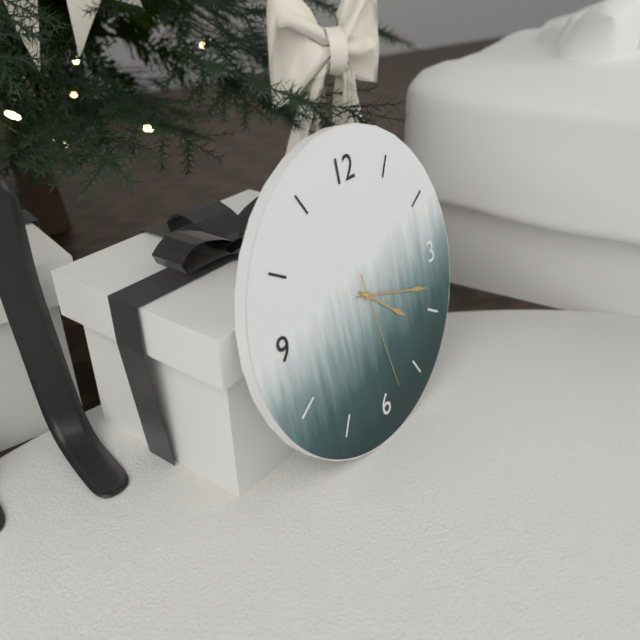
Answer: {"hour": 4, "minute": 18, "second": 28}
